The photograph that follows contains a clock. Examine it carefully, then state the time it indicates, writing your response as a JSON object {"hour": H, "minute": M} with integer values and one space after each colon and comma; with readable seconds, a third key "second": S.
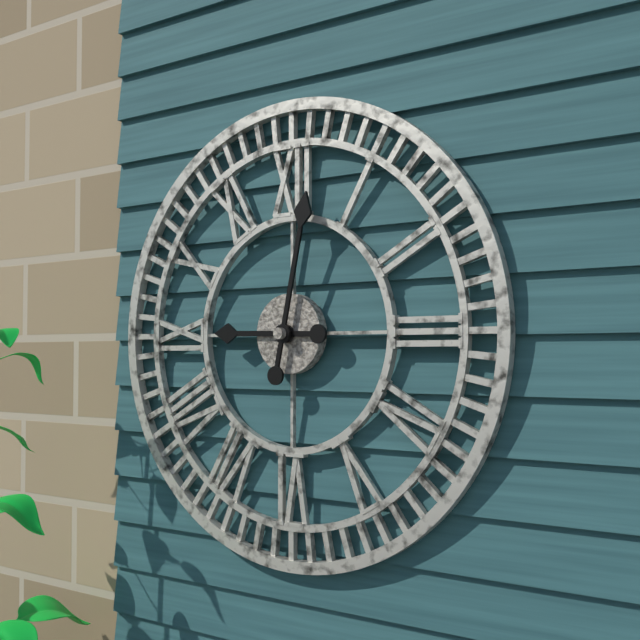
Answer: {"hour": 9, "minute": 2}
